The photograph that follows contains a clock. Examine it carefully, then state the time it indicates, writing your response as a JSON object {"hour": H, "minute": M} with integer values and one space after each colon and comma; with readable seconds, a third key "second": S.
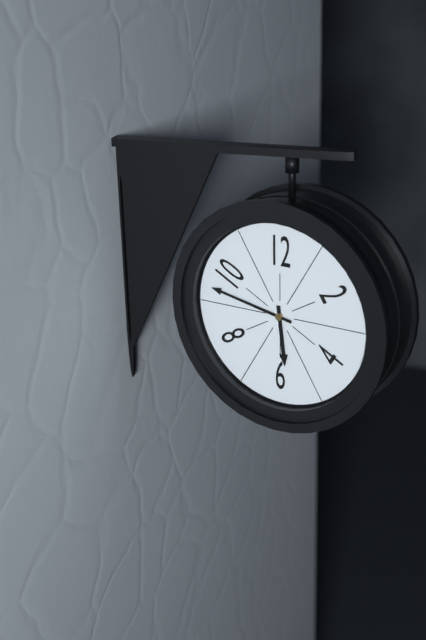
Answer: {"hour": 5, "minute": 47}
